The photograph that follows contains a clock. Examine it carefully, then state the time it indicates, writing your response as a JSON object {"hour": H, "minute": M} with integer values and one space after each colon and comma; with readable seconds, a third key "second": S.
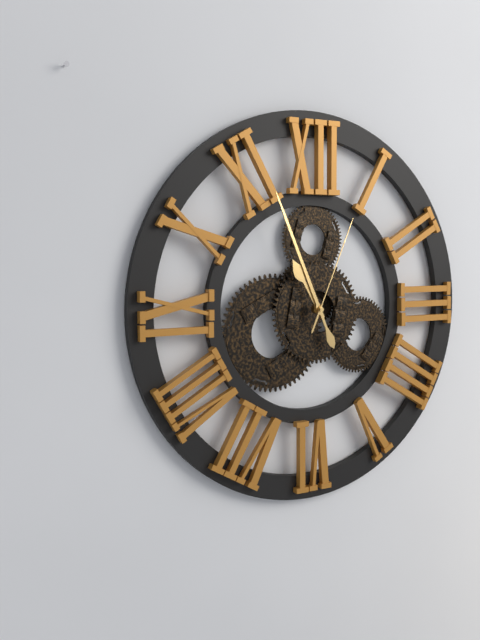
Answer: {"hour": 10, "minute": 56, "second": 4}
